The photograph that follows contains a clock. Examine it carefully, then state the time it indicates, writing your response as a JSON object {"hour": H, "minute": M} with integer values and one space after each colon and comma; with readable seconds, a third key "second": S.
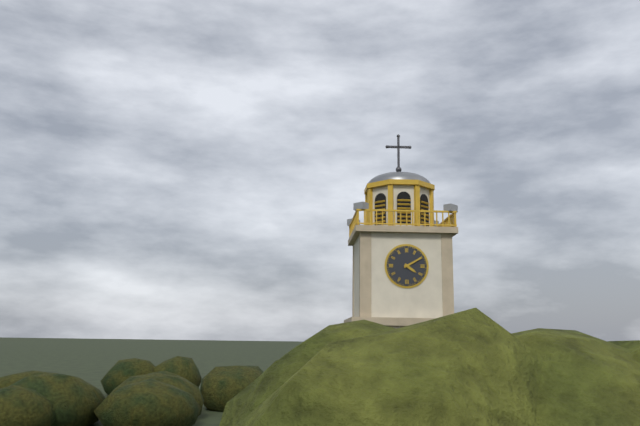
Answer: {"hour": 4, "minute": 10}
